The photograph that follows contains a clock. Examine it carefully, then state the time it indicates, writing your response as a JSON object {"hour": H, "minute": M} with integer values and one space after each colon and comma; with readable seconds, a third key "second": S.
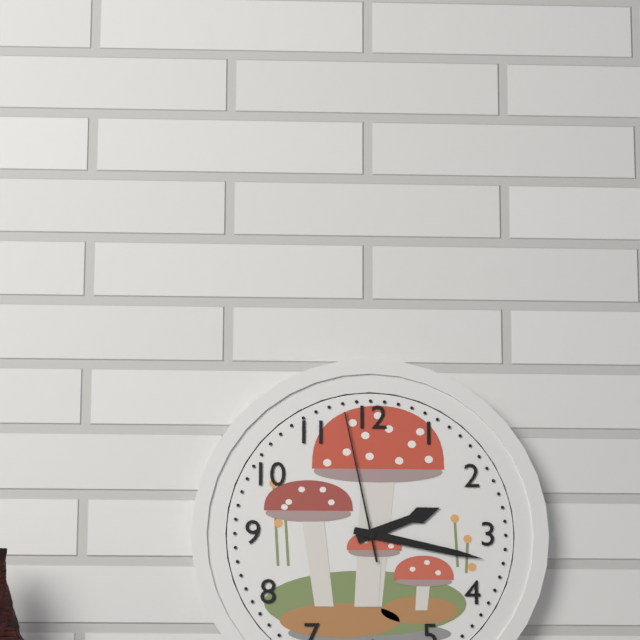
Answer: {"hour": 2, "minute": 17, "second": 58}
